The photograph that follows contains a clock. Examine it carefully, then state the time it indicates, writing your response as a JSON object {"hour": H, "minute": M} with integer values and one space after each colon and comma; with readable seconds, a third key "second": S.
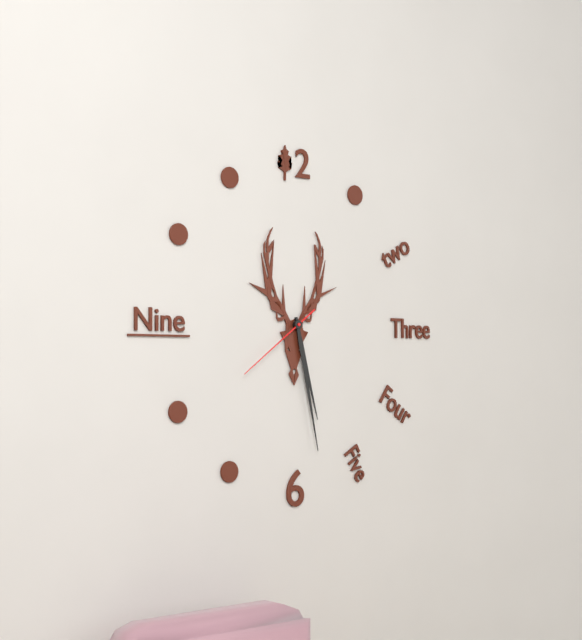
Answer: {"hour": 5, "minute": 28, "second": 39}
